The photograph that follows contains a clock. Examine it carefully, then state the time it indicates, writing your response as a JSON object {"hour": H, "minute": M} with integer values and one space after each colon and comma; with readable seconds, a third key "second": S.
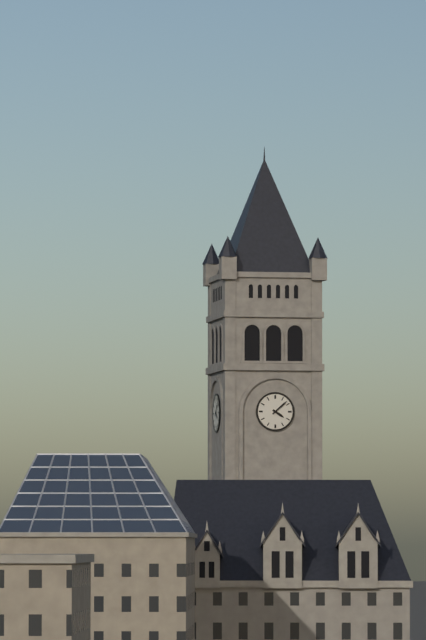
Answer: {"hour": 4, "minute": 8}
